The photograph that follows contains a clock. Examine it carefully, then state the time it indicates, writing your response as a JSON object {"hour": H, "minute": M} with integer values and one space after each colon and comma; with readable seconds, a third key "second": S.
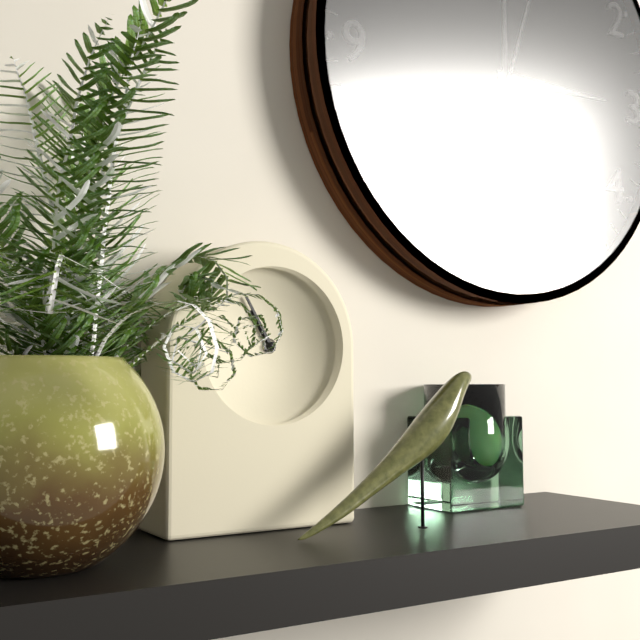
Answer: {"hour": 10, "minute": 55}
